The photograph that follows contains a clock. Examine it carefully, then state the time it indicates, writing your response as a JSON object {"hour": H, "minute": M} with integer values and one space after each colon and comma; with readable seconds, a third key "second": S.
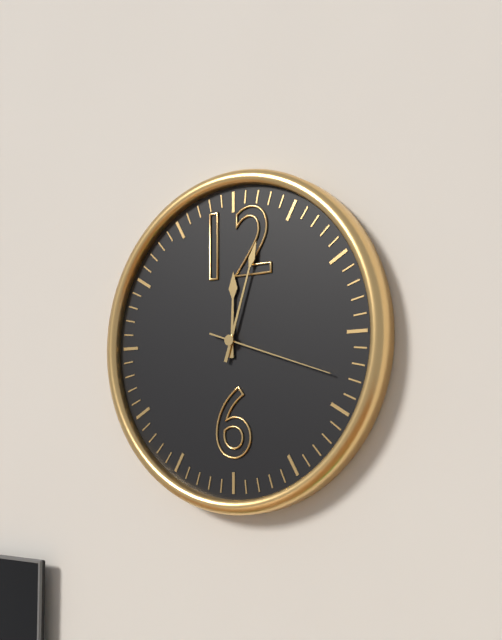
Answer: {"hour": 12, "minute": 3, "second": 18}
